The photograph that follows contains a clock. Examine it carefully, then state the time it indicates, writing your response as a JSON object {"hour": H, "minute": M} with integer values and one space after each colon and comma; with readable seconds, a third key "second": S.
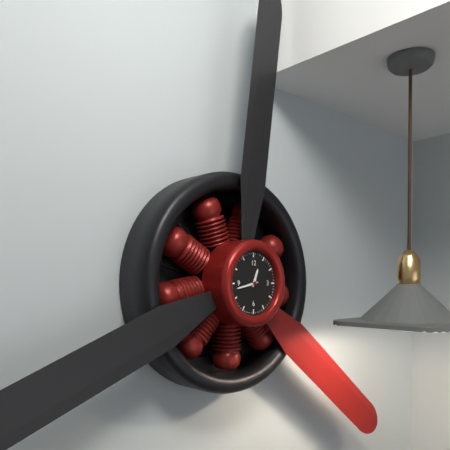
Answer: {"hour": 12, "minute": 43}
